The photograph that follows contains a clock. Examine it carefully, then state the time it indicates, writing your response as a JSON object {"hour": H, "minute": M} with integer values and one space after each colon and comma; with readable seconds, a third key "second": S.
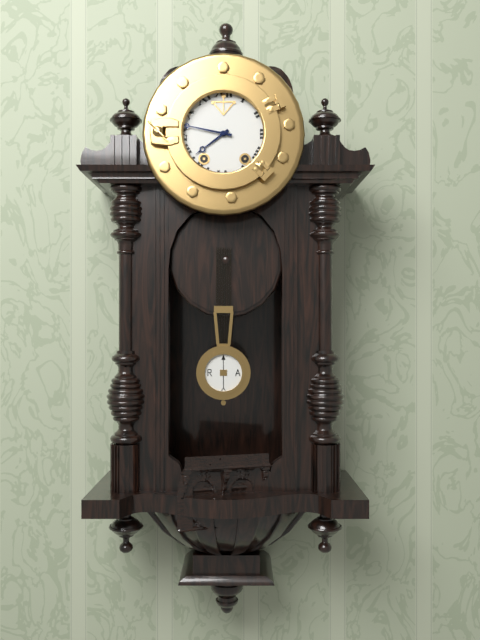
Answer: {"hour": 7, "minute": 47}
